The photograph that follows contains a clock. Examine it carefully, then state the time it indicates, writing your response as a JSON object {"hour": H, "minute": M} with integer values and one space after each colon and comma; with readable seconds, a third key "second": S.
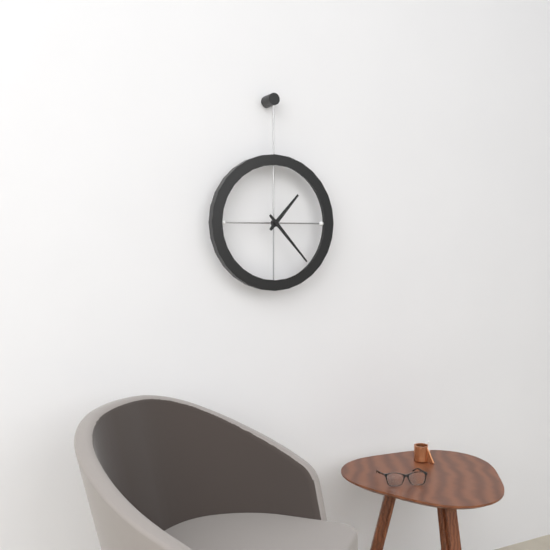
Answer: {"hour": 1, "minute": 23}
